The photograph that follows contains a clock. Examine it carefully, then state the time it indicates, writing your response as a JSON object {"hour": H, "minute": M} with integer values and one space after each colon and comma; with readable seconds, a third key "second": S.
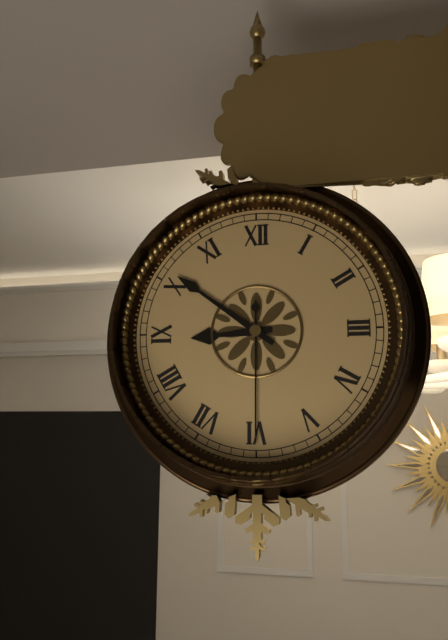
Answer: {"hour": 8, "minute": 51, "second": 30}
